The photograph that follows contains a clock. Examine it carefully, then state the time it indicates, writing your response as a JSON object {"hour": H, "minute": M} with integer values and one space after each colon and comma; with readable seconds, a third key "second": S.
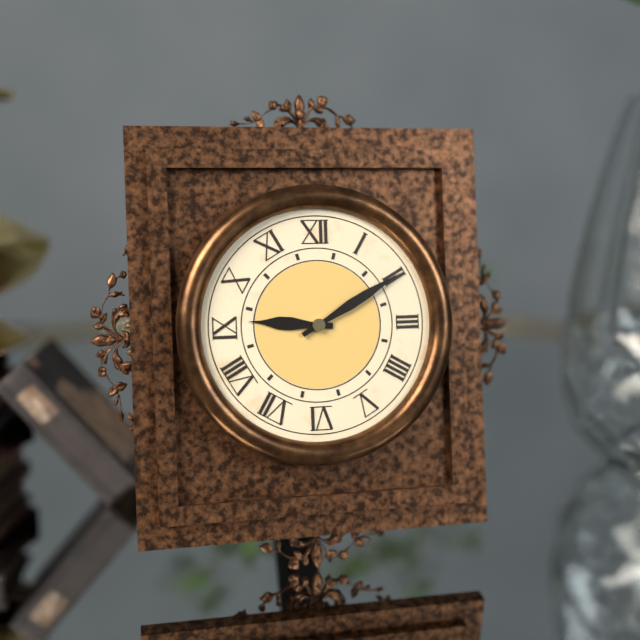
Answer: {"hour": 9, "minute": 10}
